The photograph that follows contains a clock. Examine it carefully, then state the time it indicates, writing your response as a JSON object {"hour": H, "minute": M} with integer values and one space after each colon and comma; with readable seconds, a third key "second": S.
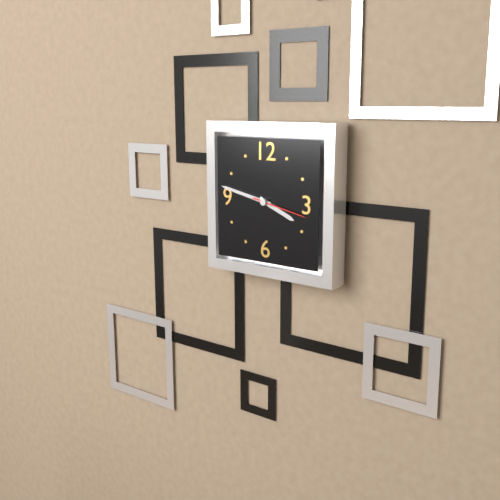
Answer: {"hour": 3, "minute": 47, "second": 17}
